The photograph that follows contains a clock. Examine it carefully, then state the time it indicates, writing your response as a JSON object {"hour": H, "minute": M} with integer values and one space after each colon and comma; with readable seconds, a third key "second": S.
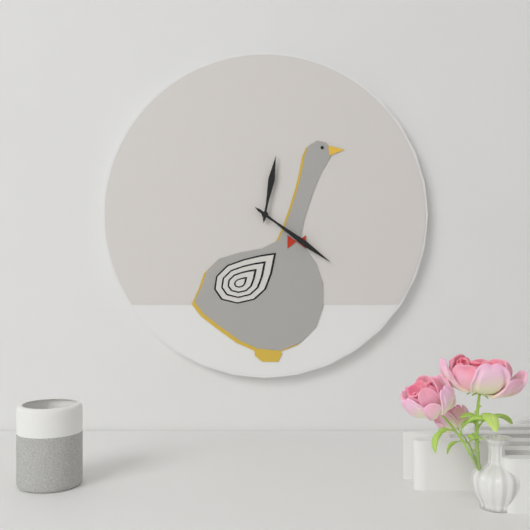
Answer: {"hour": 12, "minute": 21}
